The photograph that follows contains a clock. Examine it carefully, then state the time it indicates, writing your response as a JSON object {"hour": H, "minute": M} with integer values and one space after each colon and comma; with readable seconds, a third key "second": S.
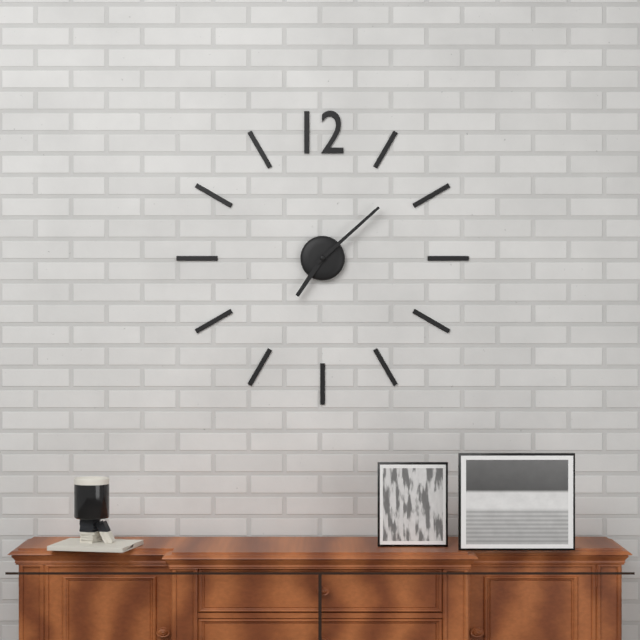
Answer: {"hour": 7, "minute": 8}
